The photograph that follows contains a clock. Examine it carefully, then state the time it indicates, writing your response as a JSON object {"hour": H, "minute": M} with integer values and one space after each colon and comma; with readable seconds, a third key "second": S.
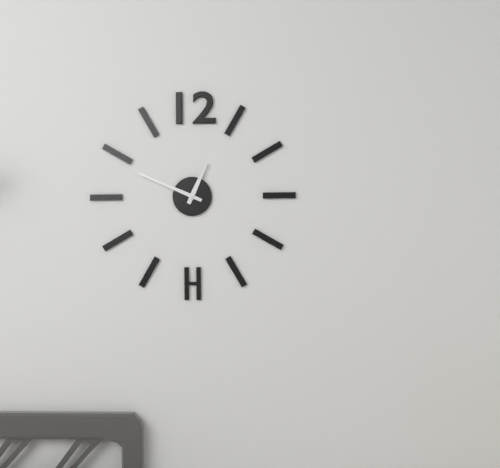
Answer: {"hour": 12, "minute": 49}
